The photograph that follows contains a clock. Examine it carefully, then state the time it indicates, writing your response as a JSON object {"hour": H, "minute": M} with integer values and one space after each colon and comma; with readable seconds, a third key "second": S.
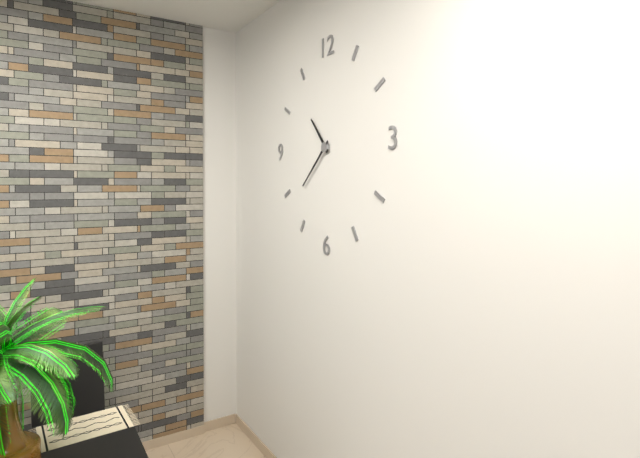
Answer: {"hour": 10, "minute": 38}
